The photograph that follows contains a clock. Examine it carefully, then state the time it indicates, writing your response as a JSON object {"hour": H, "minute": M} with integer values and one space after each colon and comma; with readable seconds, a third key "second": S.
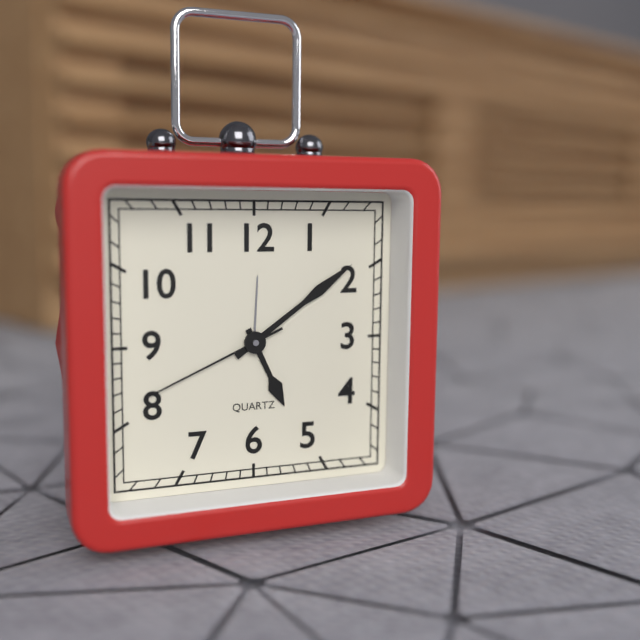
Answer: {"hour": 5, "minute": 9, "second": 41}
